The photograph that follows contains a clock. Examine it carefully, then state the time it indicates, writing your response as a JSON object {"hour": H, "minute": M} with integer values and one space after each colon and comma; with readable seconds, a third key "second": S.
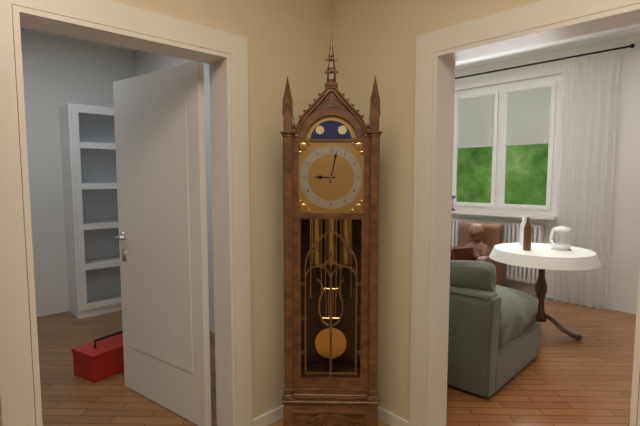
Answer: {"hour": 9, "minute": 2}
